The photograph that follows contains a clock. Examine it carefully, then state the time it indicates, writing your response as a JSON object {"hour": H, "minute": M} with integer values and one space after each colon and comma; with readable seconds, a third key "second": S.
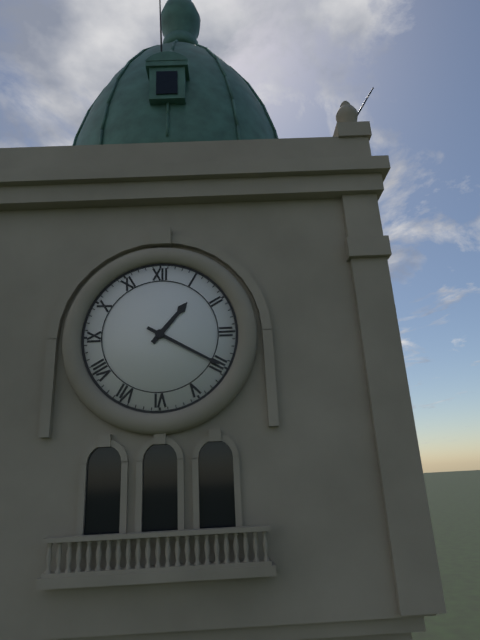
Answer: {"hour": 1, "minute": 20}
